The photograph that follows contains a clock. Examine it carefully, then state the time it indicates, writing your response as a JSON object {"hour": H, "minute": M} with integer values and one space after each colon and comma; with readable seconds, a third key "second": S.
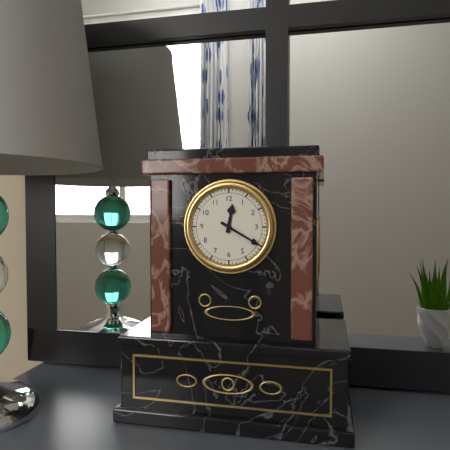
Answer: {"hour": 12, "minute": 20}
